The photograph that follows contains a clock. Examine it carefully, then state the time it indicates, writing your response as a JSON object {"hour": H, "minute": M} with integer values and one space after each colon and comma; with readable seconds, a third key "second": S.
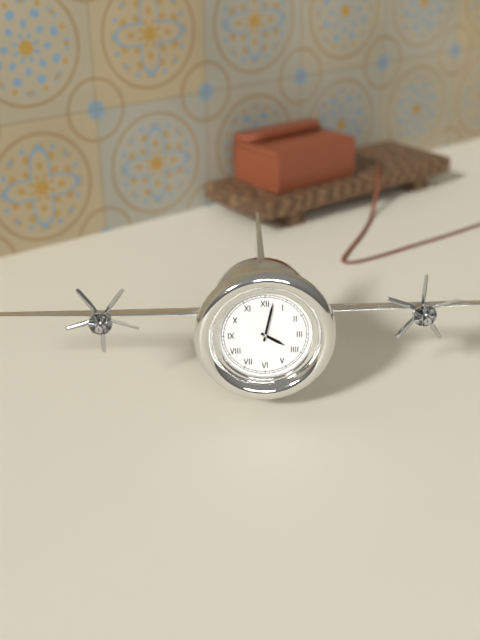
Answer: {"hour": 4, "minute": 2}
